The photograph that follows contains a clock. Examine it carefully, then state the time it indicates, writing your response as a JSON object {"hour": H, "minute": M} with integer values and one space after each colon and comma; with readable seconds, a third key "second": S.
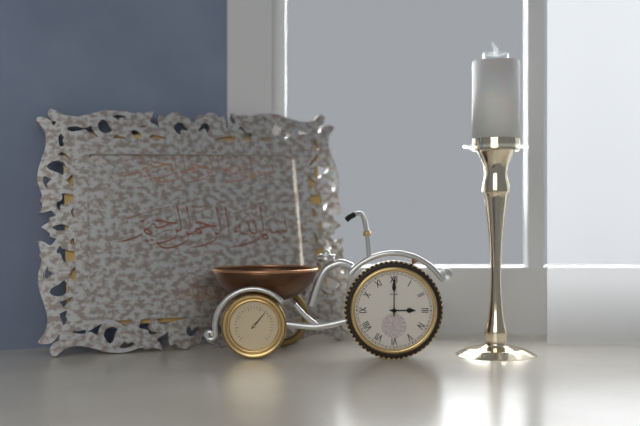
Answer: {"hour": 3, "minute": 0}
